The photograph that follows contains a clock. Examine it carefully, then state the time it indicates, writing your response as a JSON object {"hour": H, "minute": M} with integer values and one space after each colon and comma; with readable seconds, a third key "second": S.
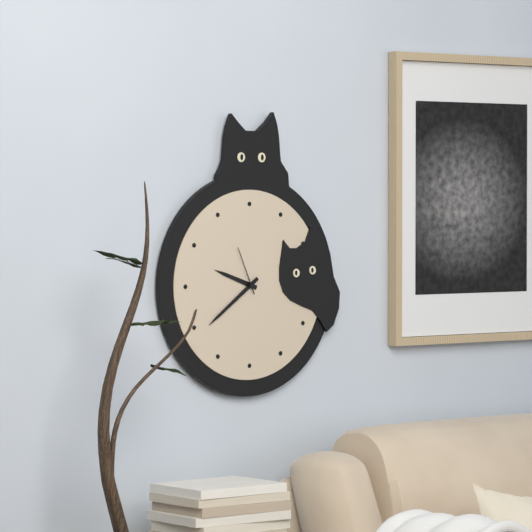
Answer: {"hour": 9, "minute": 39}
